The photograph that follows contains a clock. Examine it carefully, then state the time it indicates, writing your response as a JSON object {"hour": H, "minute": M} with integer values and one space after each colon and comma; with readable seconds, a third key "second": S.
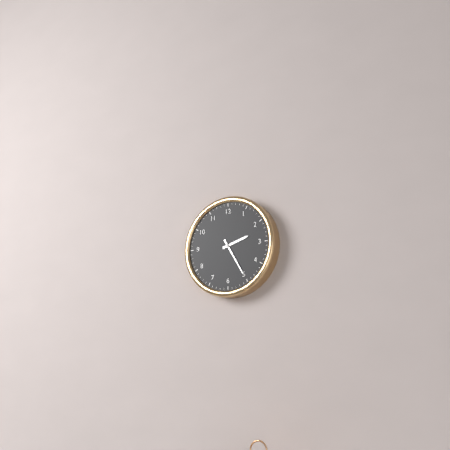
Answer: {"hour": 2, "minute": 25}
